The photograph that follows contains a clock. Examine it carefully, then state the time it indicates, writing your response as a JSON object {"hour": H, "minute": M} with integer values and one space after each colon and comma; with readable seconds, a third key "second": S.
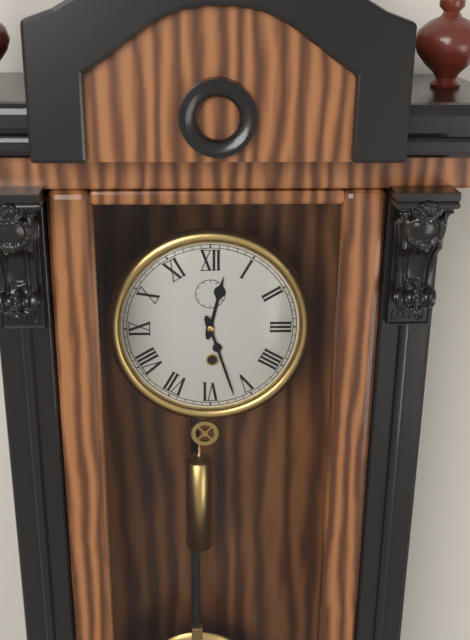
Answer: {"hour": 12, "minute": 27}
